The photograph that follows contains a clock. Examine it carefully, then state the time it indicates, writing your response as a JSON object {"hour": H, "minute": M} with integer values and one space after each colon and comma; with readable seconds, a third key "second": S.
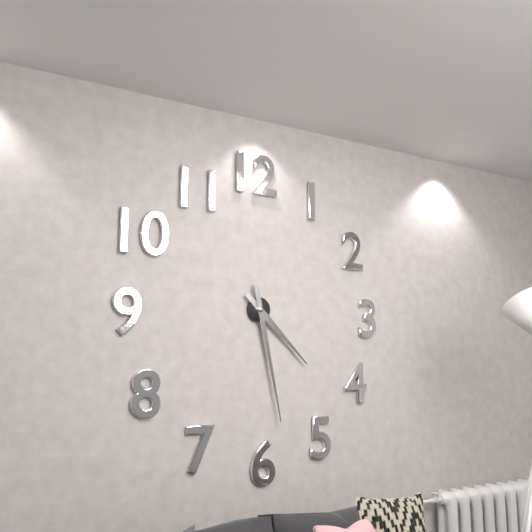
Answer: {"hour": 4, "minute": 28}
